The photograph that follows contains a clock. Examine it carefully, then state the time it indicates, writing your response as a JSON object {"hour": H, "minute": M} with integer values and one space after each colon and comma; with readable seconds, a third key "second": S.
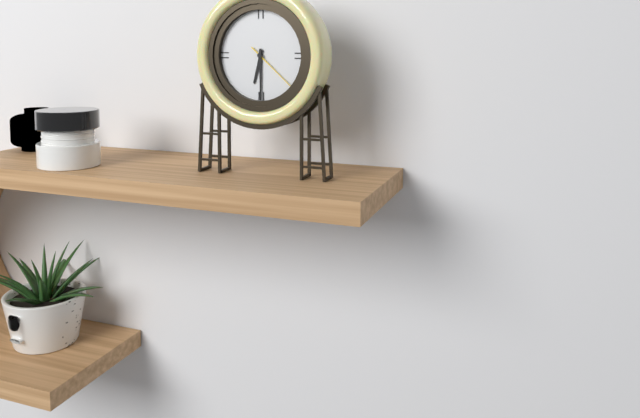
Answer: {"hour": 6, "minute": 30, "second": 22}
